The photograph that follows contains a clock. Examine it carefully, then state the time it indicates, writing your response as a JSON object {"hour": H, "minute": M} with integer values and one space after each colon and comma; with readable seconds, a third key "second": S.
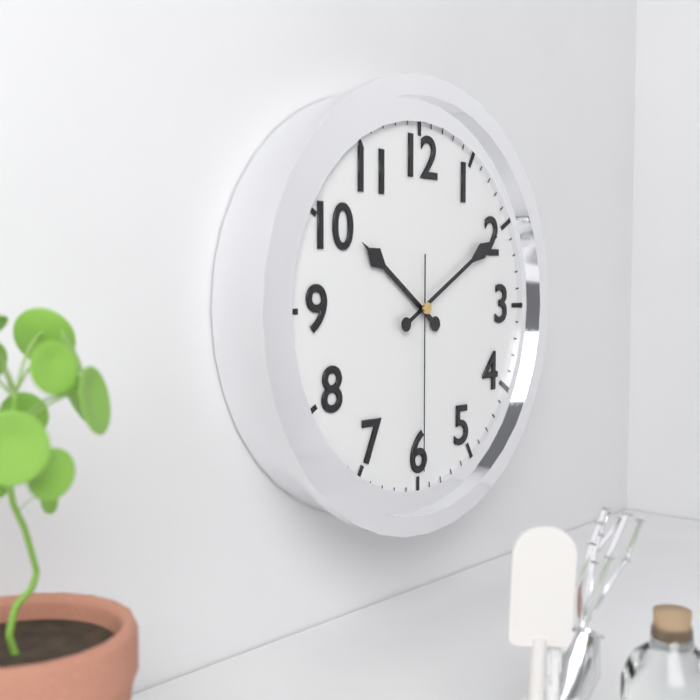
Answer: {"hour": 10, "minute": 10, "second": 30}
